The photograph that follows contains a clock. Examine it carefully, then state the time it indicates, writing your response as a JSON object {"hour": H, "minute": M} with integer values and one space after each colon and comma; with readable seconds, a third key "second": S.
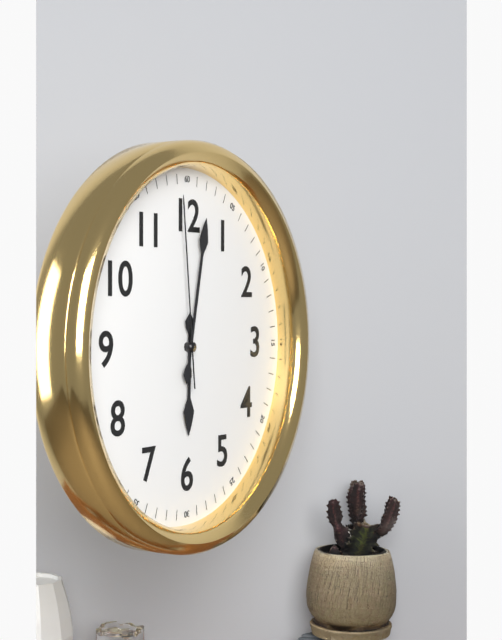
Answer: {"hour": 6, "minute": 2, "second": 59}
